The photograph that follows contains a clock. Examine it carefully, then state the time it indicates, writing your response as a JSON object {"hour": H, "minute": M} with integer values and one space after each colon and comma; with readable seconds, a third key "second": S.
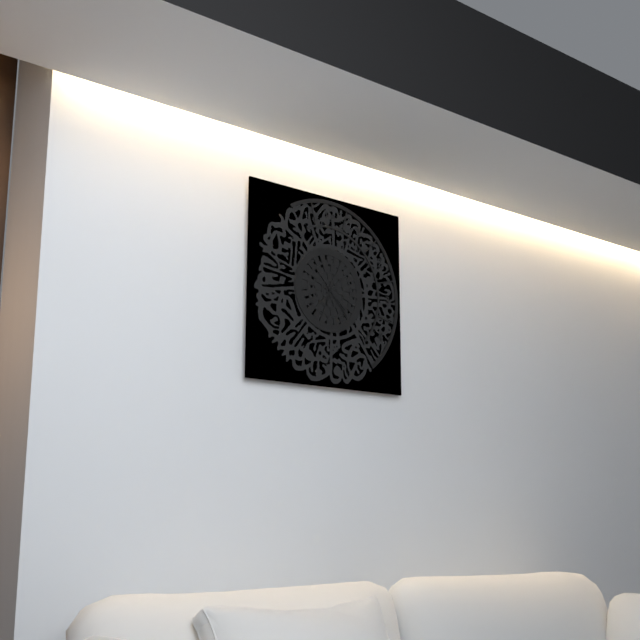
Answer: {"hour": 6, "minute": 23}
